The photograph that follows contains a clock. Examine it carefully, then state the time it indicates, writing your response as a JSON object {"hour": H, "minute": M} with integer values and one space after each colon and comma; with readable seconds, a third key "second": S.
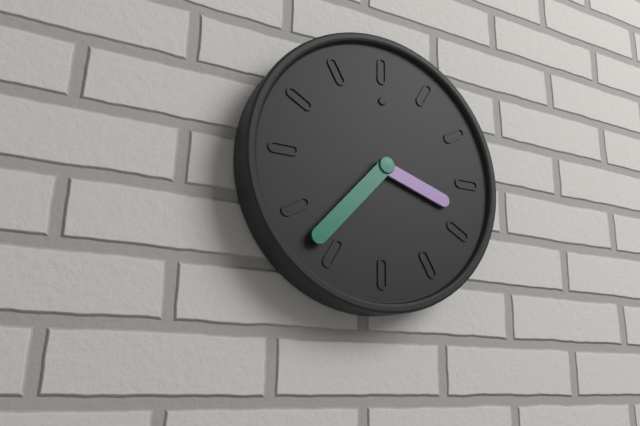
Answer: {"hour": 3, "minute": 37}
